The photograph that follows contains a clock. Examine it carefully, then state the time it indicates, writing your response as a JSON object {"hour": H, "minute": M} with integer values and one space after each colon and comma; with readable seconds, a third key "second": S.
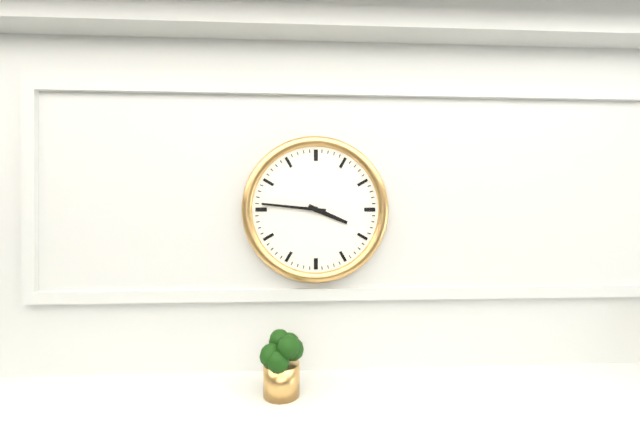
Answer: {"hour": 3, "minute": 46}
